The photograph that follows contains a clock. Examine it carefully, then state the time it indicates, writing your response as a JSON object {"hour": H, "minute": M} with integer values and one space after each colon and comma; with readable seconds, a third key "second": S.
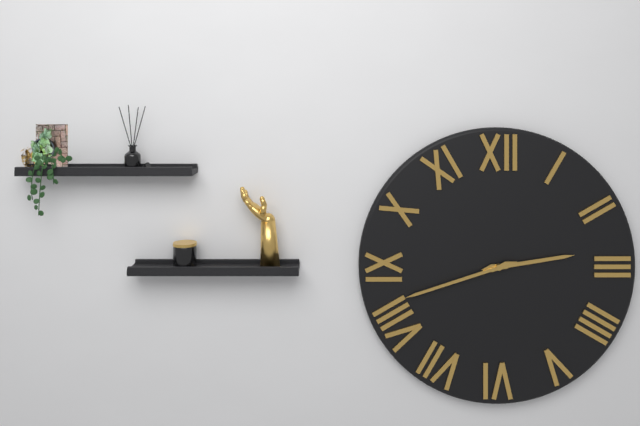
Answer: {"hour": 2, "minute": 42}
